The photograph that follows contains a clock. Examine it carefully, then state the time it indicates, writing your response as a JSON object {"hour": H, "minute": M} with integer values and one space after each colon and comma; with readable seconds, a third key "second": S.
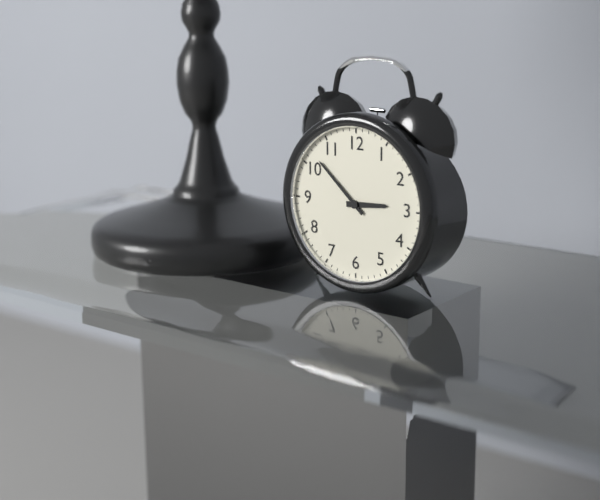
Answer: {"hour": 2, "minute": 52}
